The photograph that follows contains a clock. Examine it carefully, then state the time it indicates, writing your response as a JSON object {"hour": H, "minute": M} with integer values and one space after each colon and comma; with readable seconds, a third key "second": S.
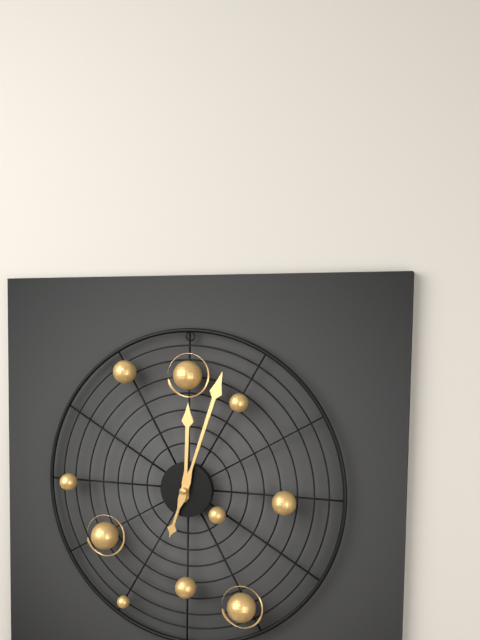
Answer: {"hour": 12, "minute": 3}
